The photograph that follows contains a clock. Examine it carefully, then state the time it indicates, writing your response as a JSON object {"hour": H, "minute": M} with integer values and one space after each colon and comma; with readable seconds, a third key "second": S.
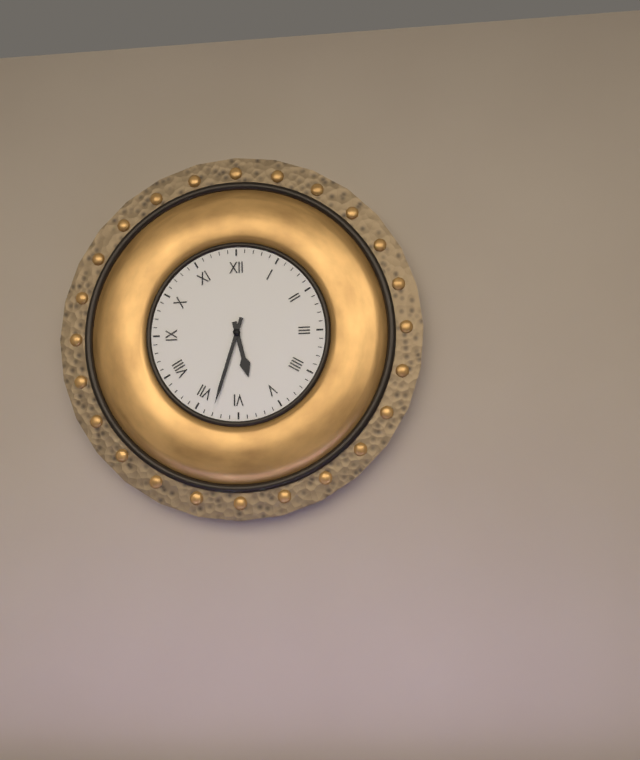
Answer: {"hour": 5, "minute": 33}
